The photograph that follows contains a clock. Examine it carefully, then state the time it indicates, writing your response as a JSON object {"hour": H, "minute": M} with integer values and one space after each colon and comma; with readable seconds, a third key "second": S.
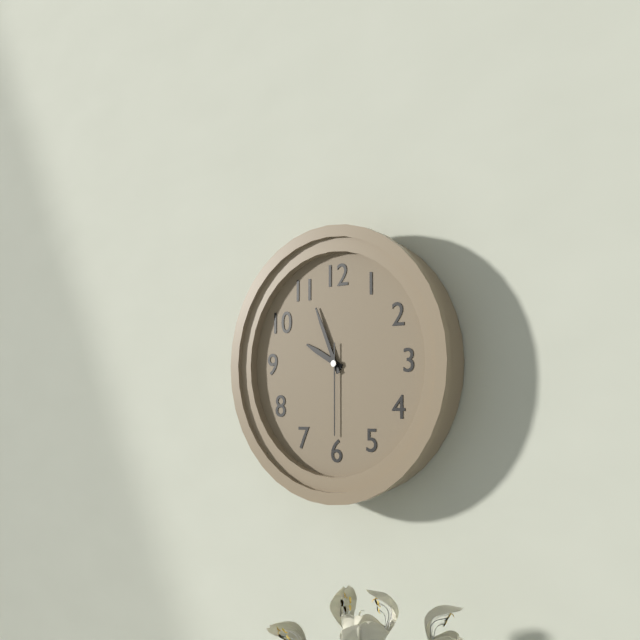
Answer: {"hour": 9, "minute": 56, "second": 30}
